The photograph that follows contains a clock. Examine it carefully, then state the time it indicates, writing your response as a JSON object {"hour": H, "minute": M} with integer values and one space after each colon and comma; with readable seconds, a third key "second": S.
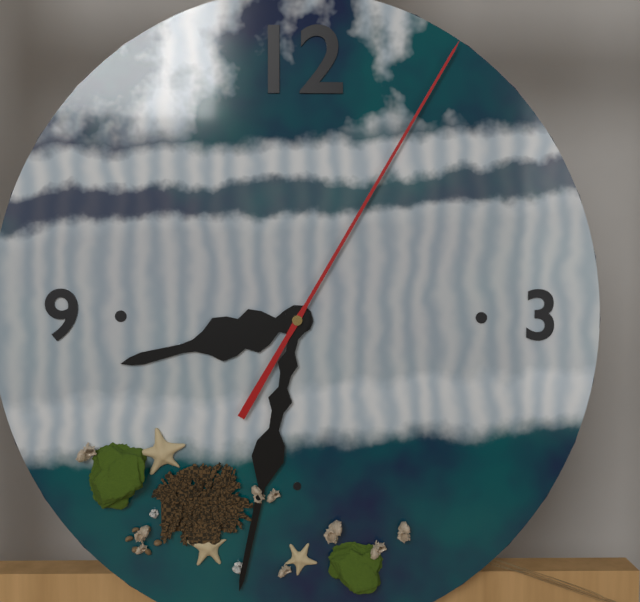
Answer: {"hour": 8, "minute": 32, "second": 5}
